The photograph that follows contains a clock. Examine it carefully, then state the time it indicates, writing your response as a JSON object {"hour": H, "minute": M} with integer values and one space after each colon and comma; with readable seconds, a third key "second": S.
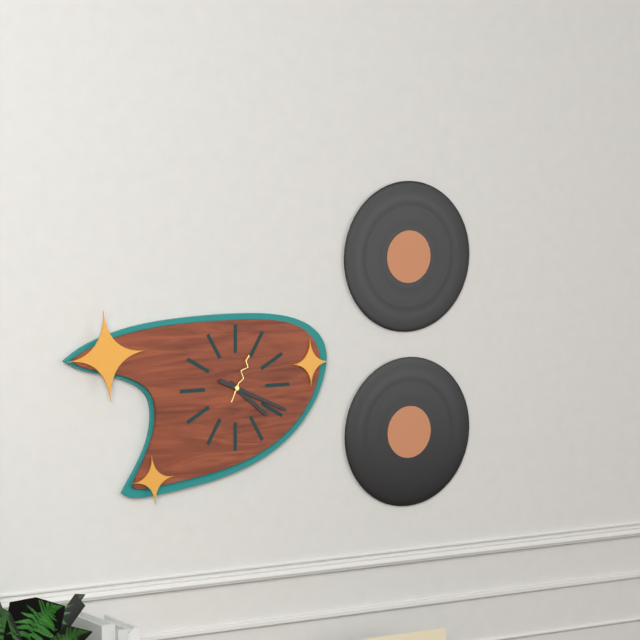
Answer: {"hour": 4, "minute": 19}
